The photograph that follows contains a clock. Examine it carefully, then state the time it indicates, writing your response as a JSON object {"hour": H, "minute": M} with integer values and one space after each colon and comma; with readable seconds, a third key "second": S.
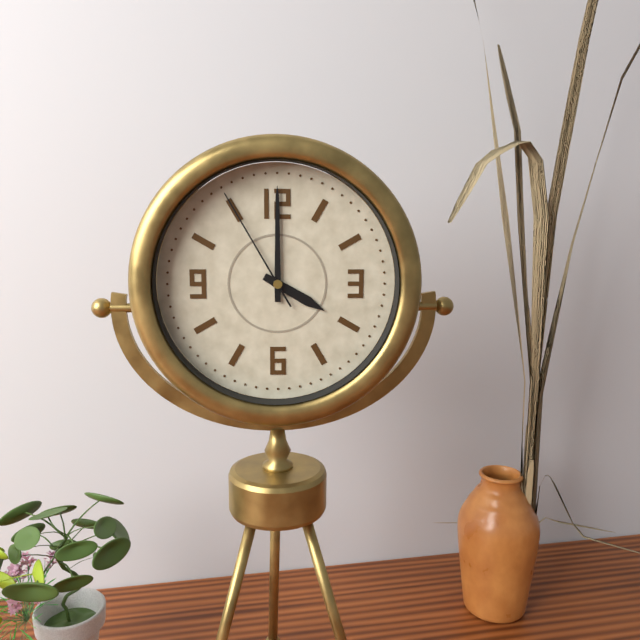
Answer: {"hour": 4, "minute": 0, "second": 55}
